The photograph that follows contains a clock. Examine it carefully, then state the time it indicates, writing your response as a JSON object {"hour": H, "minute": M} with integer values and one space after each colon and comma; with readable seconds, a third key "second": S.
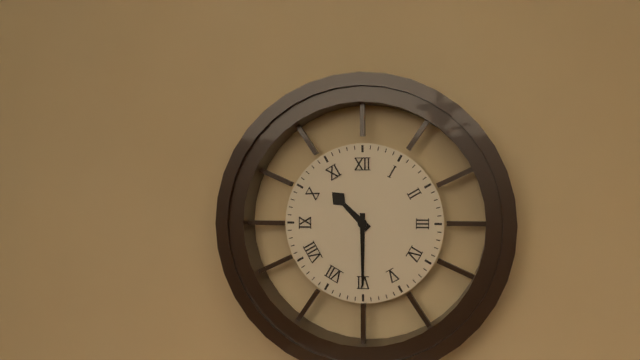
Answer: {"hour": 10, "minute": 30}
